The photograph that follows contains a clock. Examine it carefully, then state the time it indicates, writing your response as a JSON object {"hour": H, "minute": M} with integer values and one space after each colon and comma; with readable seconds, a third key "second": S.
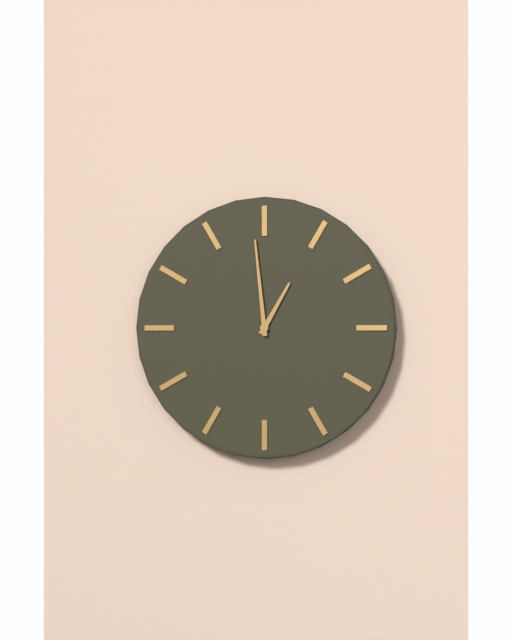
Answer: {"hour": 12, "minute": 59}
